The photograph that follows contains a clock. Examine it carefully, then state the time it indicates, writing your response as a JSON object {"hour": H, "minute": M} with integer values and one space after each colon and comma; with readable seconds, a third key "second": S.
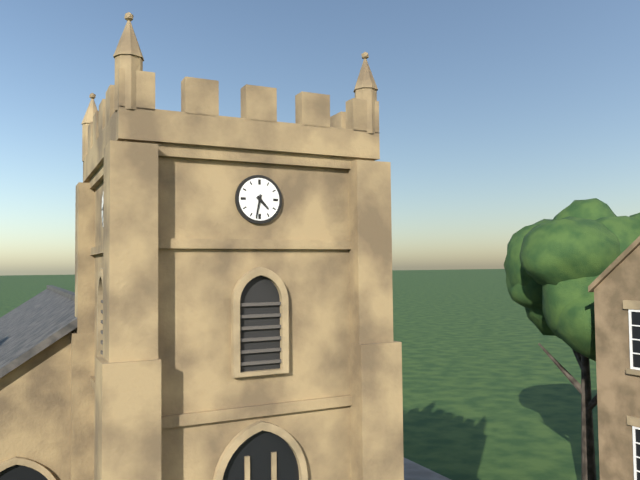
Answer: {"hour": 4, "minute": 32}
